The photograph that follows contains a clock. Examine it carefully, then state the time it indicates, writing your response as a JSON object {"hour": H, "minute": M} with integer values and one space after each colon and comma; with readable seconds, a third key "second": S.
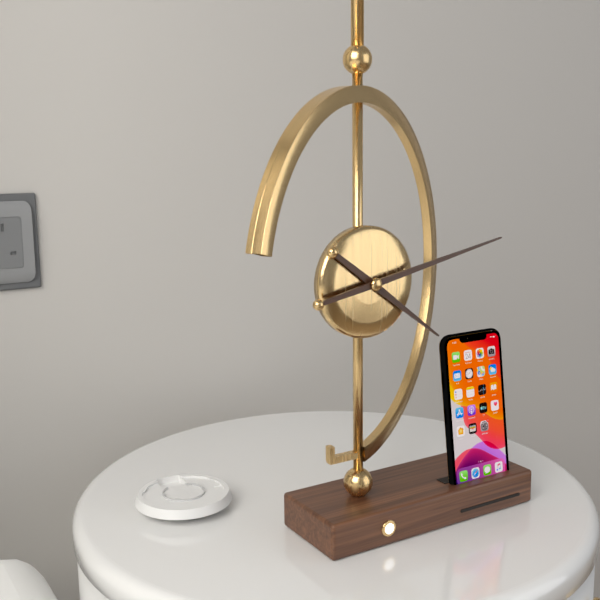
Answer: {"hour": 4, "minute": 13}
